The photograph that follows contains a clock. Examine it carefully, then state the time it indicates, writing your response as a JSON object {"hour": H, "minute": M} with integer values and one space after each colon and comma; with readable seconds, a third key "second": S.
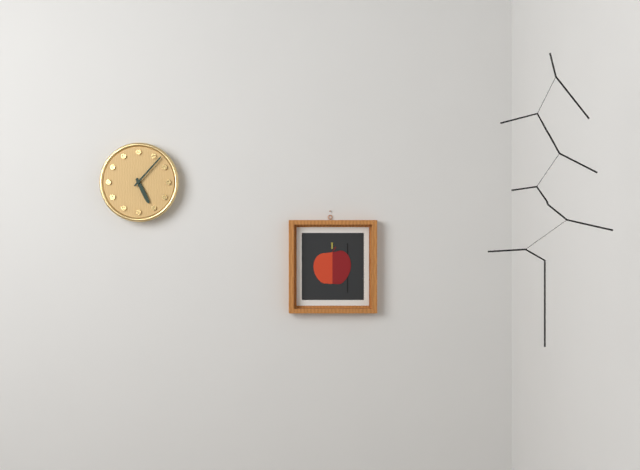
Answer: {"hour": 5, "minute": 7}
